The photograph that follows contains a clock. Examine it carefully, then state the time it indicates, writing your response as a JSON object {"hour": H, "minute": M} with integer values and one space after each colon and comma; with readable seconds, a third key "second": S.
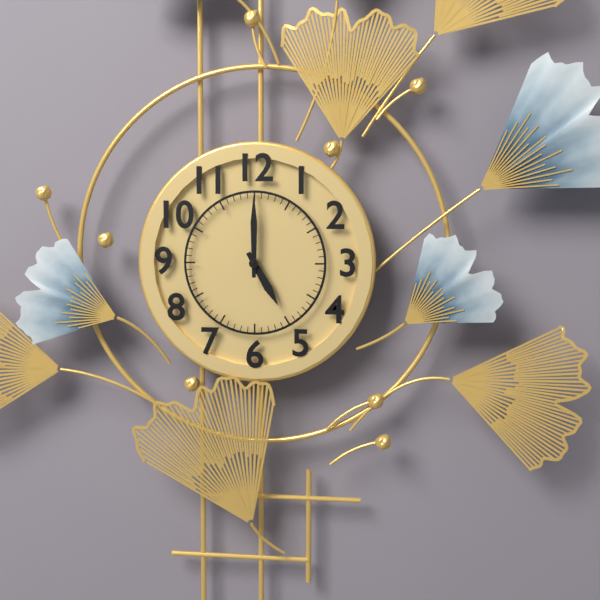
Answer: {"hour": 5, "minute": 0}
